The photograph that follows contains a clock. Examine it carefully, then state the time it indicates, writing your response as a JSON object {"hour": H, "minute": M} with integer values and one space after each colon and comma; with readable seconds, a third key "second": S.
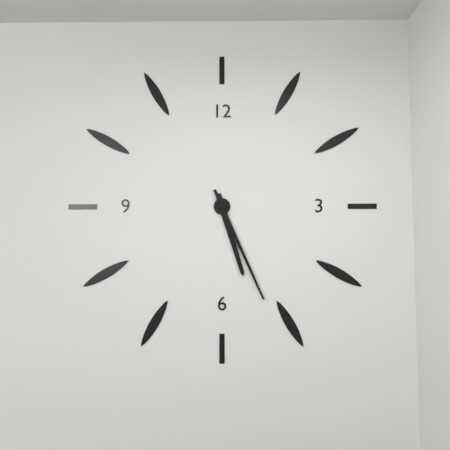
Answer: {"hour": 5, "minute": 26}
